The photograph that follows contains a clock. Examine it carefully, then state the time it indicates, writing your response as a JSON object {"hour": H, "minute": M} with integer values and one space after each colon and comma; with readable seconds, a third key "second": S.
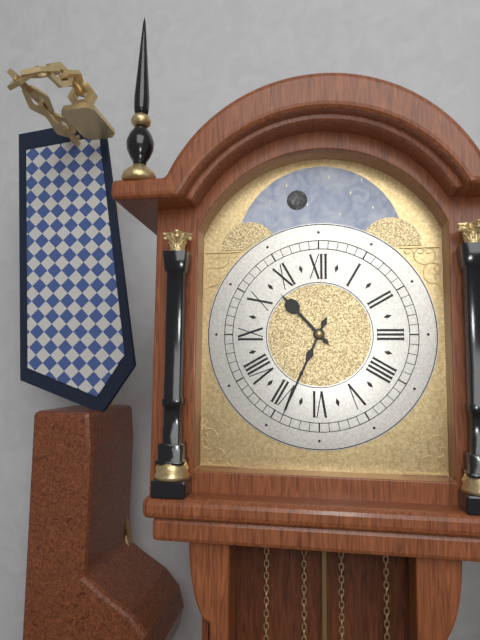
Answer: {"hour": 10, "minute": 34}
